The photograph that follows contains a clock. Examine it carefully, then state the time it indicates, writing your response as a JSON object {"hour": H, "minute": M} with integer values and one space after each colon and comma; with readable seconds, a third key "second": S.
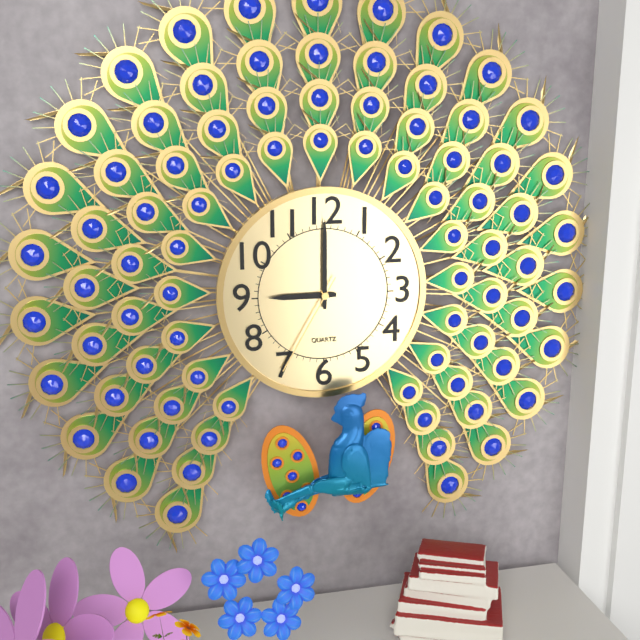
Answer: {"hour": 9, "minute": 0, "second": 35}
